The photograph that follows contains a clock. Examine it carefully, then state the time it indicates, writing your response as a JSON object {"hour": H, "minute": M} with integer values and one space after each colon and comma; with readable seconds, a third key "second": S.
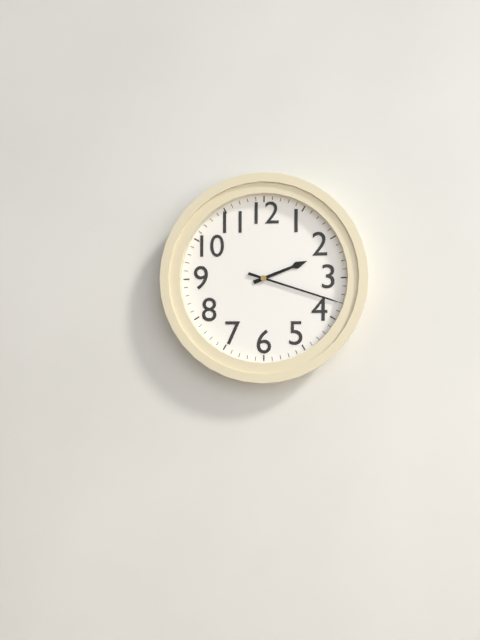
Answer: {"hour": 2, "minute": 18}
